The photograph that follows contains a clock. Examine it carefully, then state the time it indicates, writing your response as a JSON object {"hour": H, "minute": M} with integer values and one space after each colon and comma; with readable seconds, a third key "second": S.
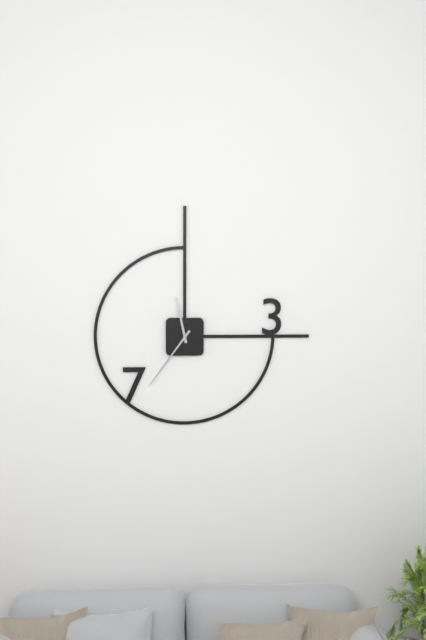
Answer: {"hour": 11, "minute": 36}
